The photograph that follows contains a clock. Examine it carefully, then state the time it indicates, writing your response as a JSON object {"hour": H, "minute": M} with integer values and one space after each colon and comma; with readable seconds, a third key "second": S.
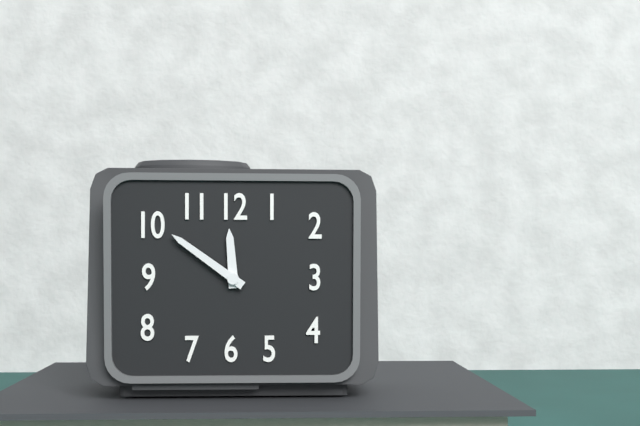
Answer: {"hour": 11, "minute": 51}
